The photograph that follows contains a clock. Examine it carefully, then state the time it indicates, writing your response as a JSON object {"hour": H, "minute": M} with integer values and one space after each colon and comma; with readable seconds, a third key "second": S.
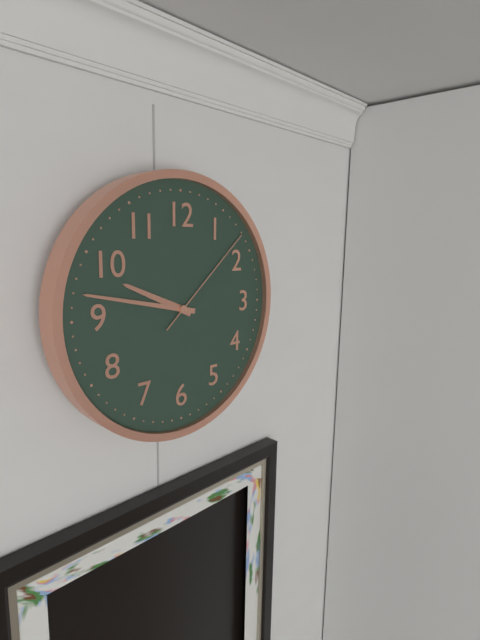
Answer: {"hour": 9, "minute": 47, "second": 8}
